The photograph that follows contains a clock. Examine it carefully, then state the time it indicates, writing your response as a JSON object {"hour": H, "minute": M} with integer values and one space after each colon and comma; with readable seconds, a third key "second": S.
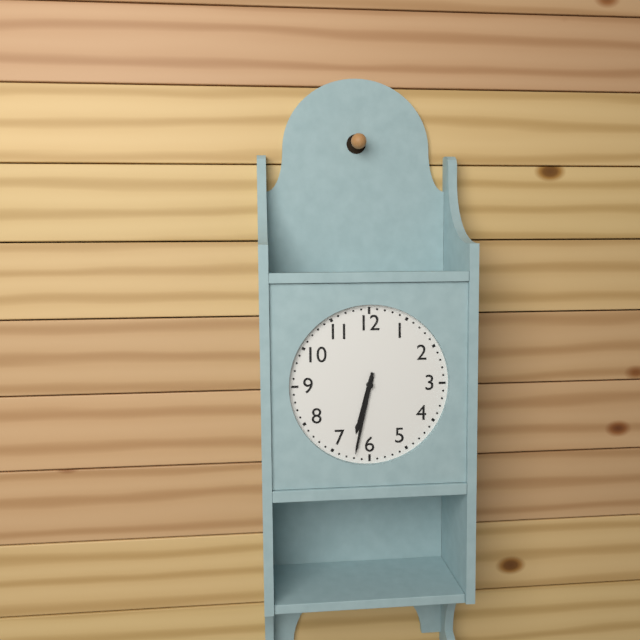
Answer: {"hour": 6, "minute": 32}
